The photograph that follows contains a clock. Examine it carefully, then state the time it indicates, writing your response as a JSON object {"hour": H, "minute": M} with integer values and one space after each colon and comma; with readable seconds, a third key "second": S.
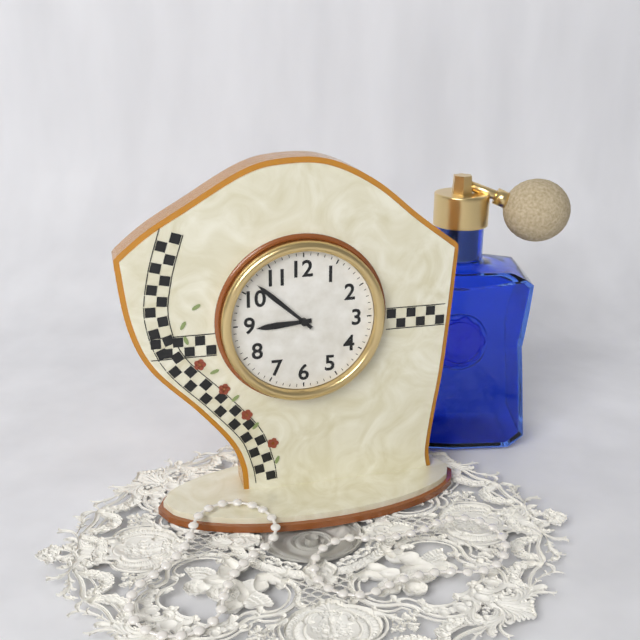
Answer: {"hour": 8, "minute": 52}
